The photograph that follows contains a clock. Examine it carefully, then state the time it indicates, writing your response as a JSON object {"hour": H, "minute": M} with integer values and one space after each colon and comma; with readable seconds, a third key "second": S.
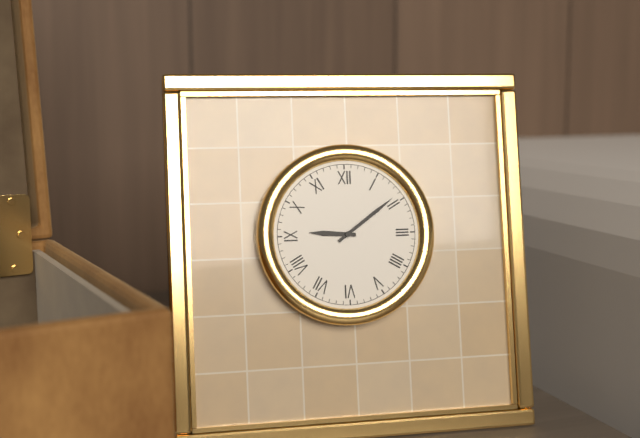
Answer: {"hour": 9, "minute": 9}
